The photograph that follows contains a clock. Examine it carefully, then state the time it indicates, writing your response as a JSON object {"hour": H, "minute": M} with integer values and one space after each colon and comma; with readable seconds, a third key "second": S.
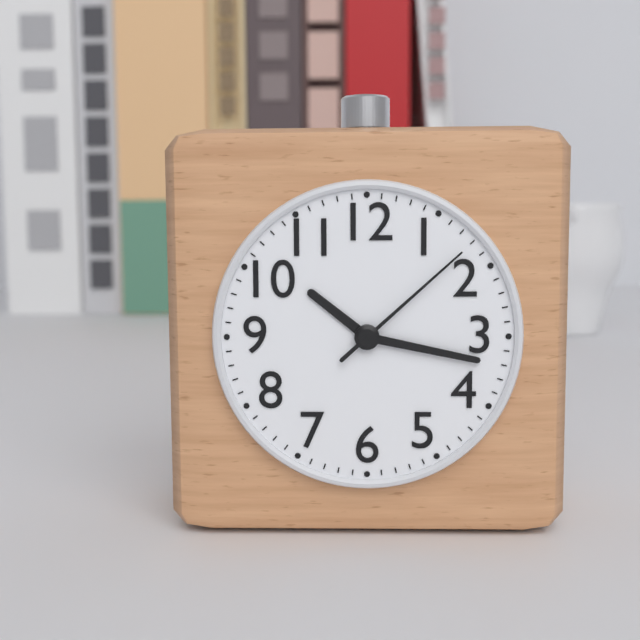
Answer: {"hour": 10, "minute": 17, "second": 8}
